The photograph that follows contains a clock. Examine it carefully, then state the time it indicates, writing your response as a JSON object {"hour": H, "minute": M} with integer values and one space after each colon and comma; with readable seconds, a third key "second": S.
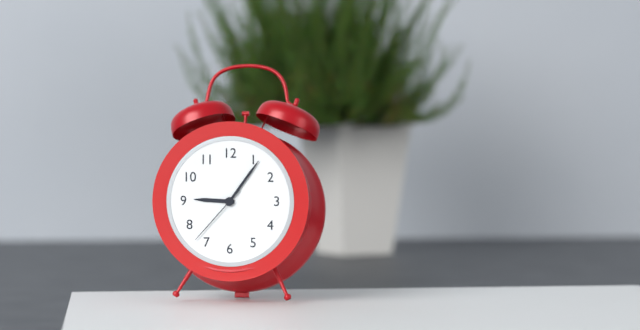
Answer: {"hour": 9, "minute": 6, "second": 37}
